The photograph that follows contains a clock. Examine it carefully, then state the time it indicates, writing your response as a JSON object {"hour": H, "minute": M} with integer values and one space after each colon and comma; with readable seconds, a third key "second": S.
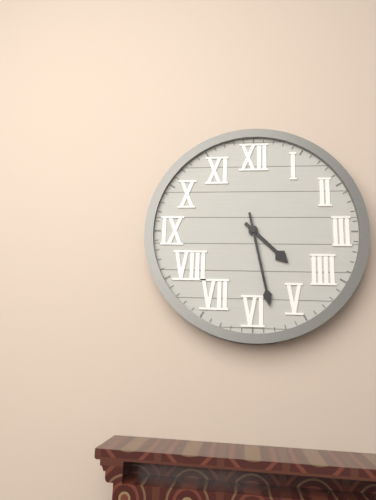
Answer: {"hour": 4, "minute": 28}
